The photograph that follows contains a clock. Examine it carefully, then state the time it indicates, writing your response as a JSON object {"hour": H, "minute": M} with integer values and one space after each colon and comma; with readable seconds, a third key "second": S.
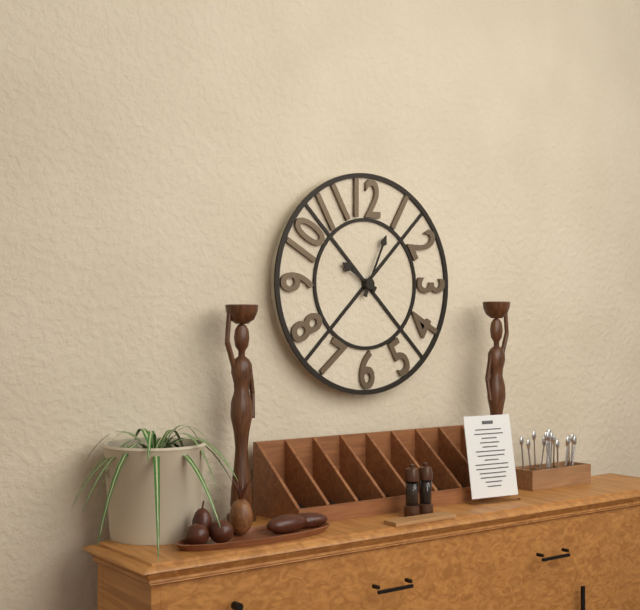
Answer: {"hour": 10, "minute": 4}
